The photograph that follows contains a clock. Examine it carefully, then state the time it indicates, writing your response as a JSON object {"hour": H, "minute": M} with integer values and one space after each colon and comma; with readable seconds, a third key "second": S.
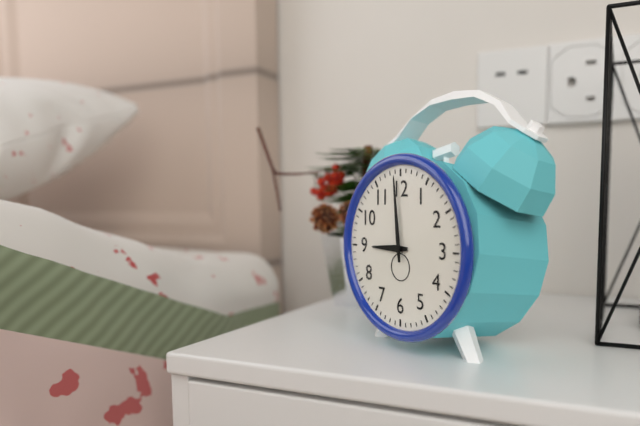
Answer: {"hour": 8, "minute": 59}
